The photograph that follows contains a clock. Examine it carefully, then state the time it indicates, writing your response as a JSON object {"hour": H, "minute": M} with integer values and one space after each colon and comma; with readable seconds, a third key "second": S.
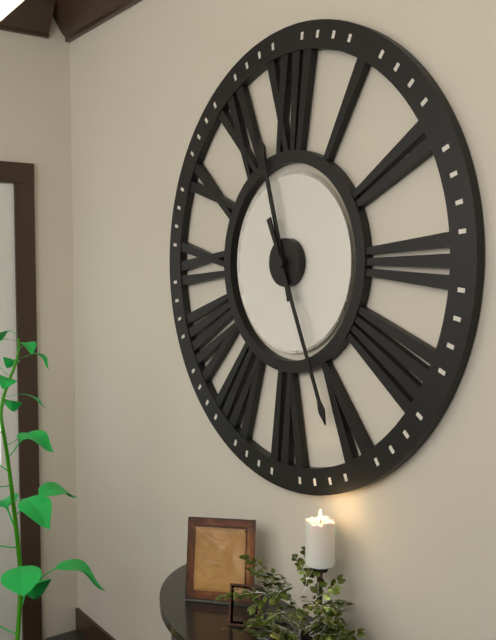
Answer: {"hour": 11, "minute": 26}
